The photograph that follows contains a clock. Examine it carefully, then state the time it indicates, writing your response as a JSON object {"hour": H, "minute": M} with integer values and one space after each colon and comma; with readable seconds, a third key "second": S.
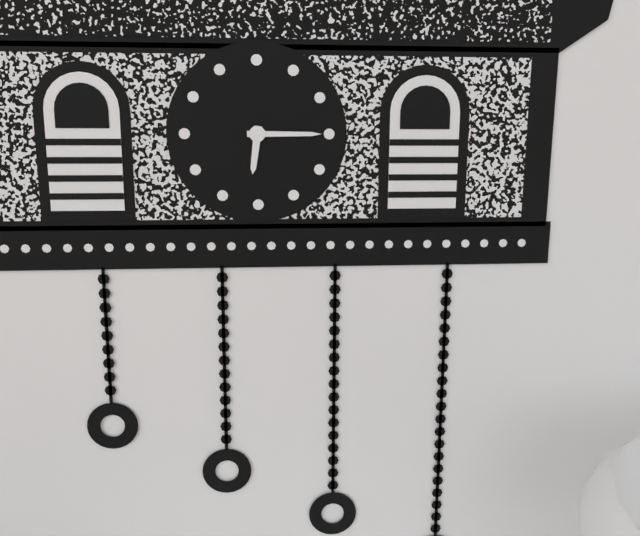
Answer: {"hour": 6, "minute": 15}
